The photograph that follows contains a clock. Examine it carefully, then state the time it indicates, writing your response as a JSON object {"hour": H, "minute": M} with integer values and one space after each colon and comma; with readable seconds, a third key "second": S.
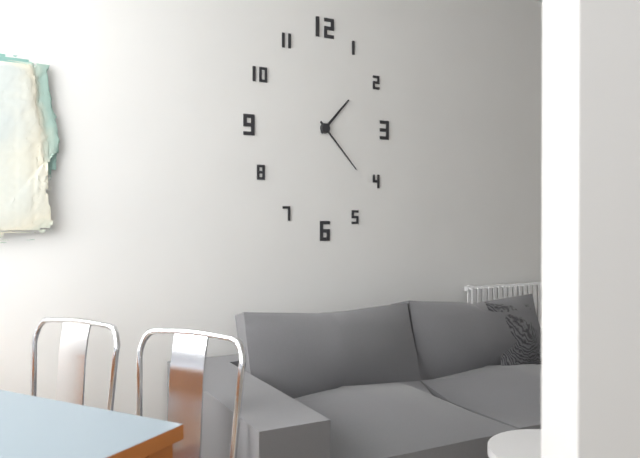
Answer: {"hour": 1, "minute": 23}
